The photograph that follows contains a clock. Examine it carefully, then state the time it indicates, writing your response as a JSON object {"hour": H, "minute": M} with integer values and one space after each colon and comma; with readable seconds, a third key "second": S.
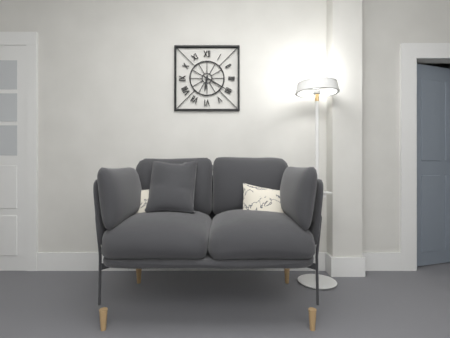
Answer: {"hour": 6, "minute": 20}
